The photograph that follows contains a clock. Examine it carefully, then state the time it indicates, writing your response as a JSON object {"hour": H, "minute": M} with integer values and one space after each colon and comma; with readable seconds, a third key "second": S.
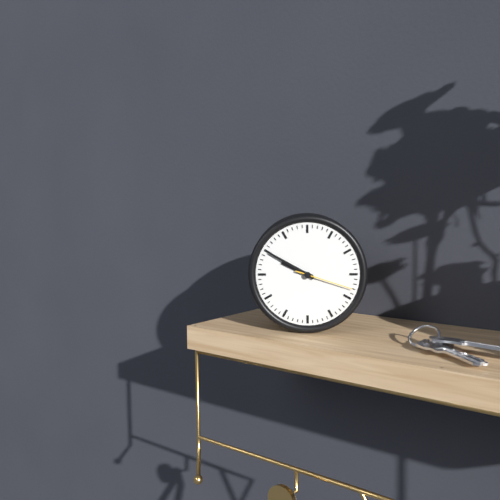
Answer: {"hour": 9, "minute": 50, "second": 18}
